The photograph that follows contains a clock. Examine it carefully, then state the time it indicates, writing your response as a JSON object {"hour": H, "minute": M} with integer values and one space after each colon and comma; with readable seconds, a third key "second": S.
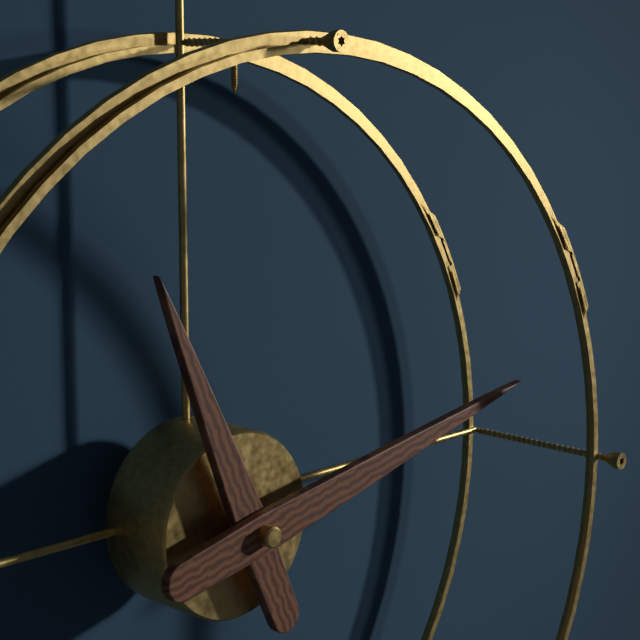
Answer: {"hour": 11, "minute": 13}
